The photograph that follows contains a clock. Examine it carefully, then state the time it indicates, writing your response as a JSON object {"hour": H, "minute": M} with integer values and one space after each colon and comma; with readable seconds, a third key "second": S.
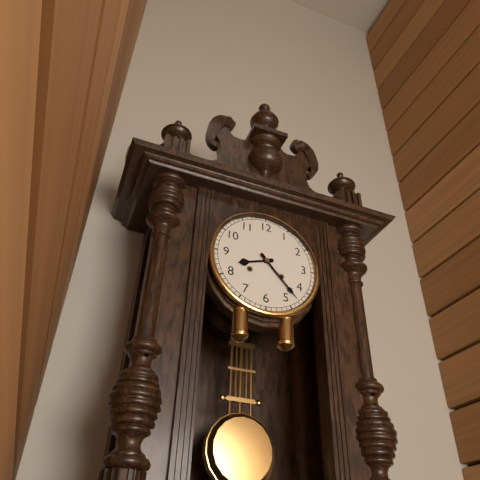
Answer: {"hour": 8, "minute": 23}
